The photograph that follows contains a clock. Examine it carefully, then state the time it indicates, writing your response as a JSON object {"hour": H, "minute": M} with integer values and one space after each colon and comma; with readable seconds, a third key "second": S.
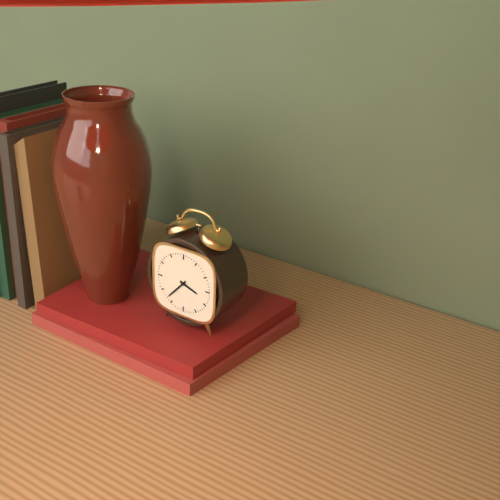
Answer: {"hour": 3, "minute": 37}
